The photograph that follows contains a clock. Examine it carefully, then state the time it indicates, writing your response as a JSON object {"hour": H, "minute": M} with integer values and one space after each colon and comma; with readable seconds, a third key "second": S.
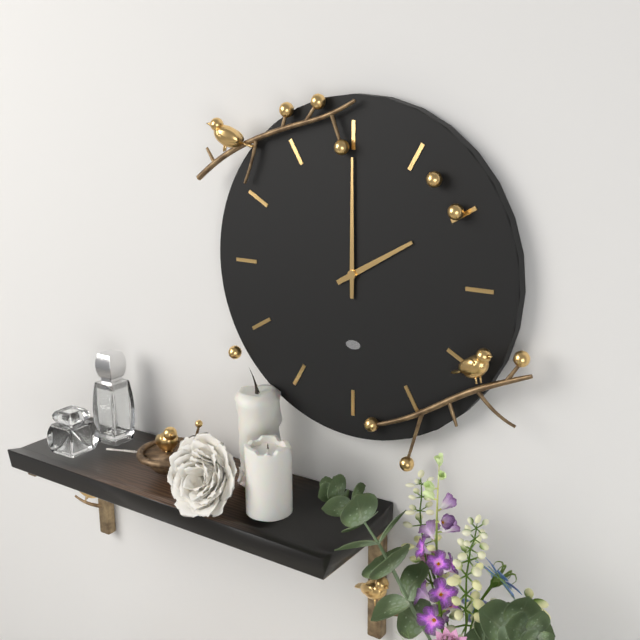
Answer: {"hour": 2, "minute": 0}
